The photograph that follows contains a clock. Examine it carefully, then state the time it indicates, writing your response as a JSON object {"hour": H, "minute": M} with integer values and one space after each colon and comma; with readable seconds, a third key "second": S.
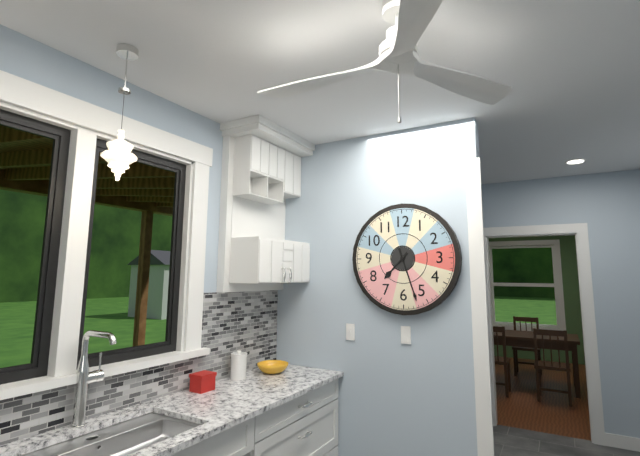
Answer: {"hour": 7, "minute": 27}
